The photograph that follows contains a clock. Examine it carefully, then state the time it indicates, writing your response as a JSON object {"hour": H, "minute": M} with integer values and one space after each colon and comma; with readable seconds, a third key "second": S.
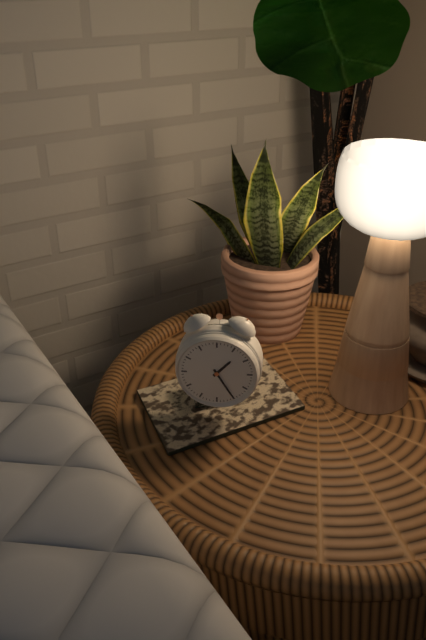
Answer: {"hour": 1, "minute": 25}
